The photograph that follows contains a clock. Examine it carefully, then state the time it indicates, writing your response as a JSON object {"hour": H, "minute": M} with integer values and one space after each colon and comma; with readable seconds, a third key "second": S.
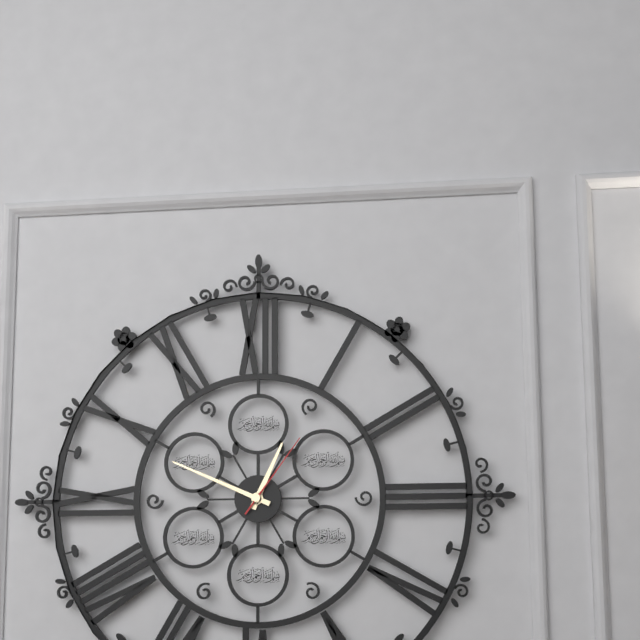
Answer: {"hour": 12, "minute": 49, "second": 6}
